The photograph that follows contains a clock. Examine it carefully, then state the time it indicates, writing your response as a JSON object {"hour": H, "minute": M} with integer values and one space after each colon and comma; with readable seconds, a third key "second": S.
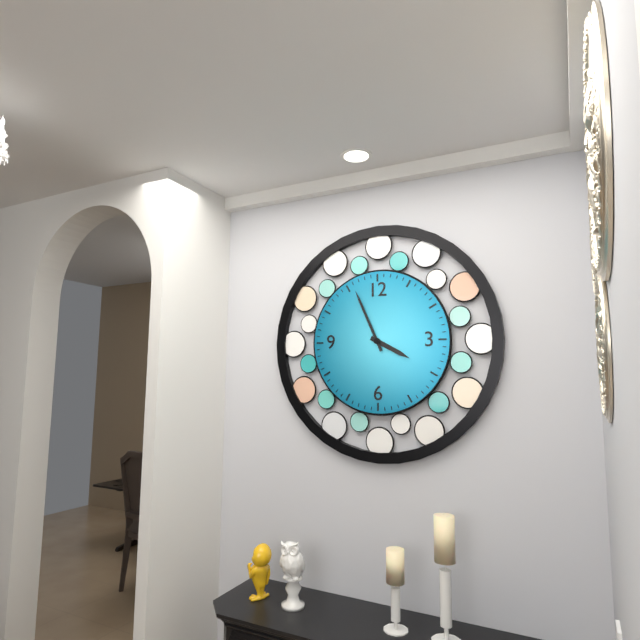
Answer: {"hour": 3, "minute": 56}
